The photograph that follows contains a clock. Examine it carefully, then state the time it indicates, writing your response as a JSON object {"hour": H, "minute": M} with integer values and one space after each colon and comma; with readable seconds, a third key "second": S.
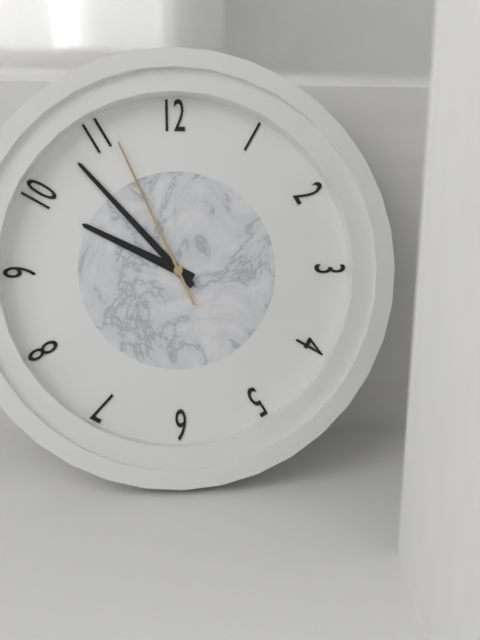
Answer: {"hour": 9, "minute": 53, "second": 56}
